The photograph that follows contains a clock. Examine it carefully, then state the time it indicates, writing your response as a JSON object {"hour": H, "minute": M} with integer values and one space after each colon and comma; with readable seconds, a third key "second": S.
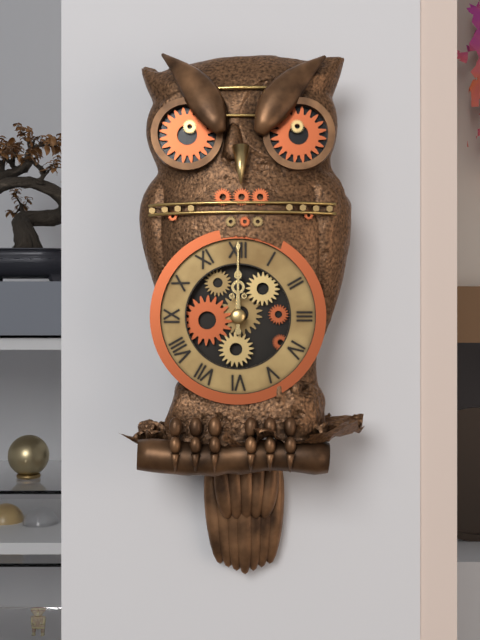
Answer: {"hour": 12, "minute": 0}
